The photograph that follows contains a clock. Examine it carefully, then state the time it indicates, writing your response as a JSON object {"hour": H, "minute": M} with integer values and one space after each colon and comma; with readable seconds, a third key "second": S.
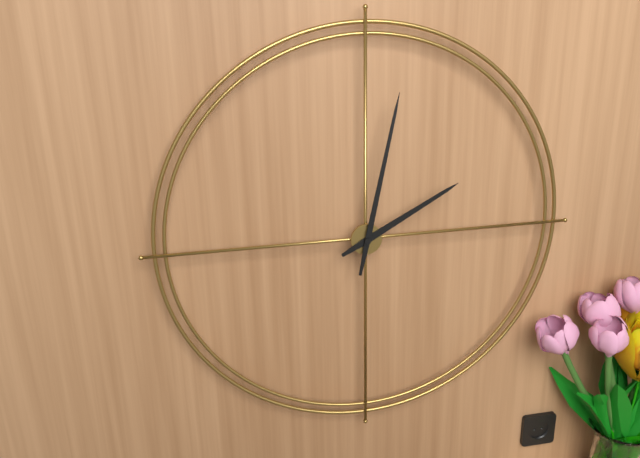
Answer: {"hour": 2, "minute": 2}
